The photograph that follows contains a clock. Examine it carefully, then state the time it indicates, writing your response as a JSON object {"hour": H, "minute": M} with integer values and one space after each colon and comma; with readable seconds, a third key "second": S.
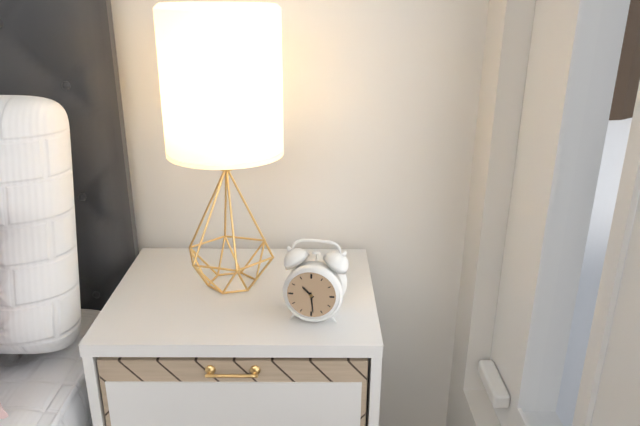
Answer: {"hour": 10, "minute": 29}
